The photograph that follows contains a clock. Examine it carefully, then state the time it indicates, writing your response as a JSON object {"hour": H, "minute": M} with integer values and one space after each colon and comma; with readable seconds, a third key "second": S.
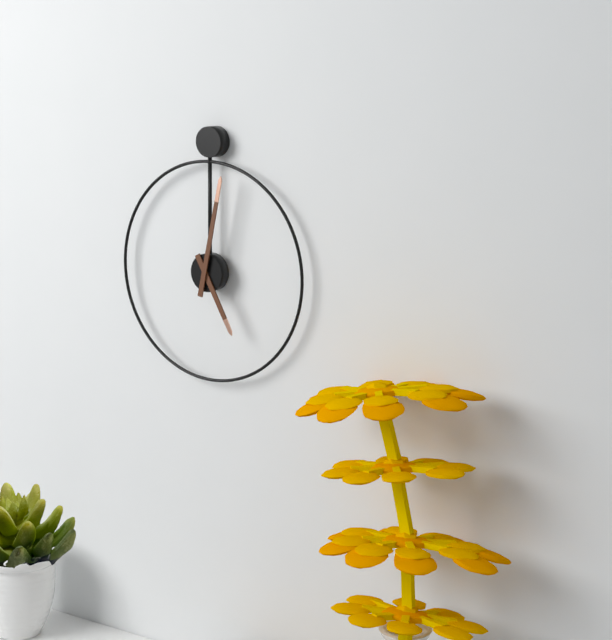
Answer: {"hour": 5, "minute": 2}
